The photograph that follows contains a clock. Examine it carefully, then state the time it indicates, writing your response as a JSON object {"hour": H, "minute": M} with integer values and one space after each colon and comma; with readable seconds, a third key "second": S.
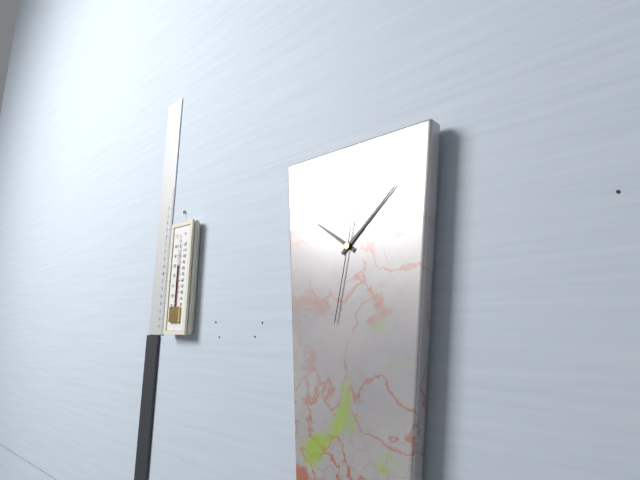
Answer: {"hour": 10, "minute": 8, "second": 32}
